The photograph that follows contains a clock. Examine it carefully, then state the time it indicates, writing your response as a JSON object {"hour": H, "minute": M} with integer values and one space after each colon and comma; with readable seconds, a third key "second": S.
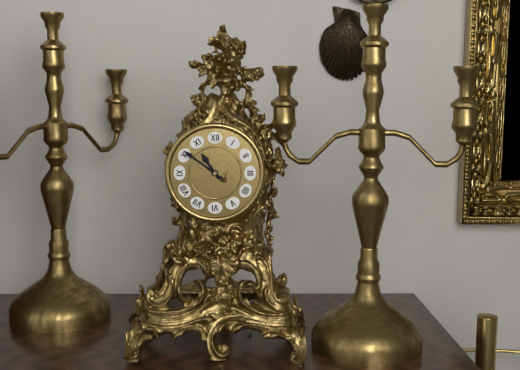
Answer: {"hour": 10, "minute": 51}
